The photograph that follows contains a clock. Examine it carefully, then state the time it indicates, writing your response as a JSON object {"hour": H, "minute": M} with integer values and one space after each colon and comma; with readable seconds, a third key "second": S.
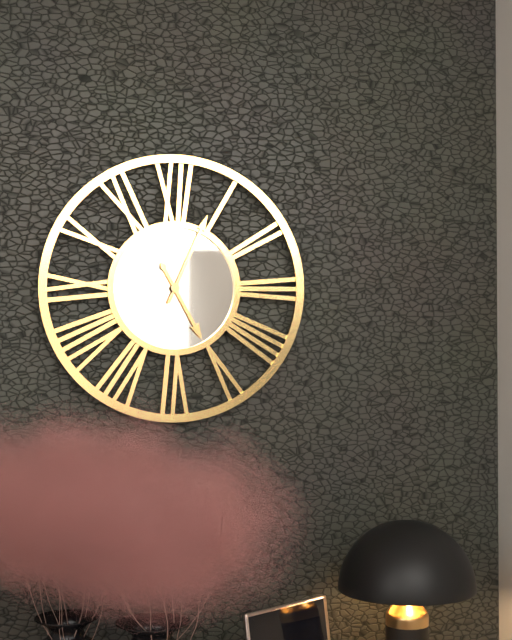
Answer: {"hour": 5, "minute": 4}
